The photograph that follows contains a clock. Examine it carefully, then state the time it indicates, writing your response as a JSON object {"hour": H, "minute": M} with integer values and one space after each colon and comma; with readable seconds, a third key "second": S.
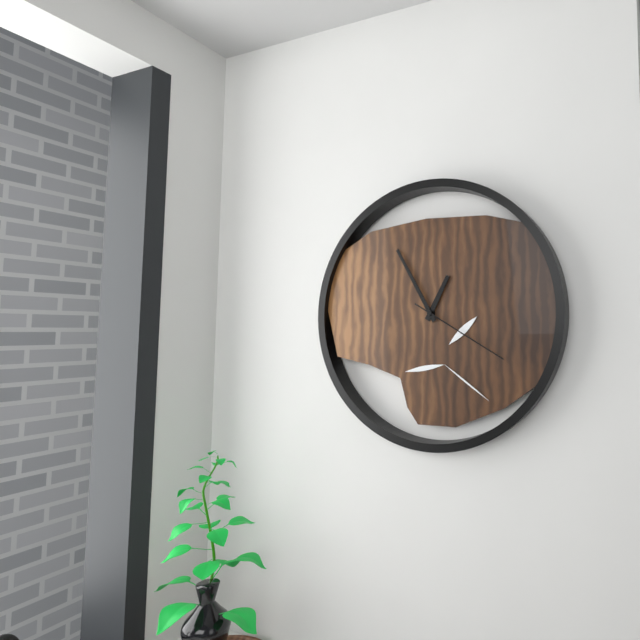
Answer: {"hour": 12, "minute": 55, "second": 20}
